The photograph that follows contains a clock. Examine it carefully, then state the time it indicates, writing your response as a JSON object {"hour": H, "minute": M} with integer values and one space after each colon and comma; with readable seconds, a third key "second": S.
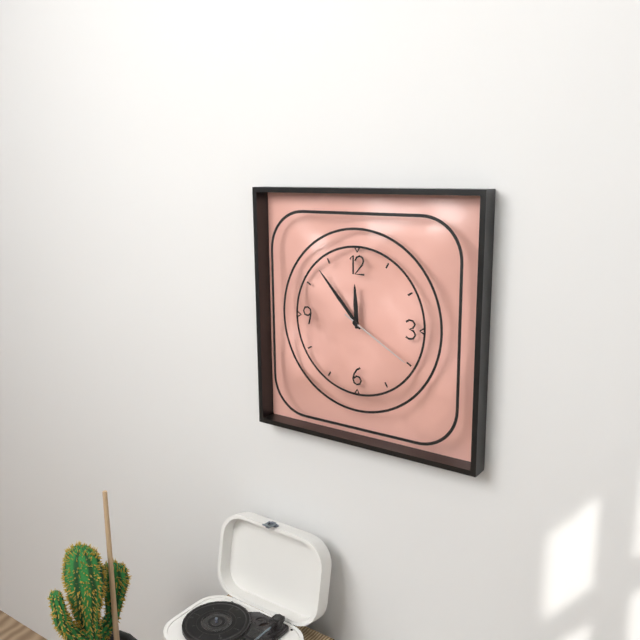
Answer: {"hour": 11, "minute": 53, "second": 20}
